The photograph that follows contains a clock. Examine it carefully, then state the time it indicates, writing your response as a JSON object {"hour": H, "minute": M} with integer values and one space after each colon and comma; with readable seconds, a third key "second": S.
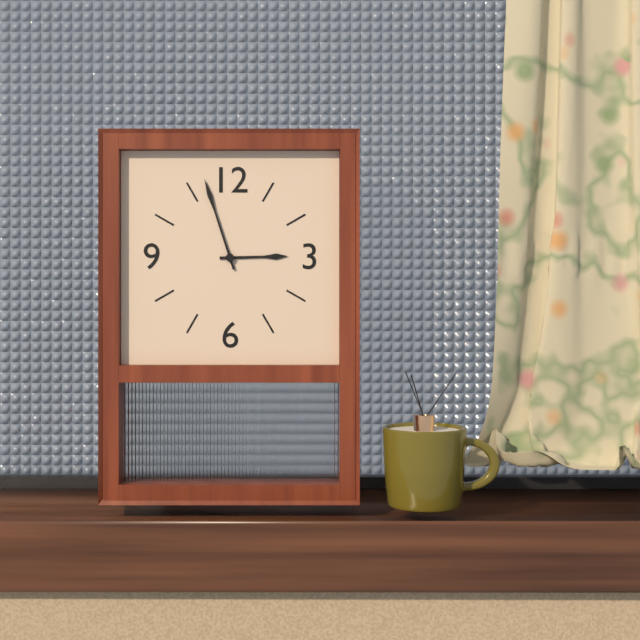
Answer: {"hour": 2, "minute": 57}
